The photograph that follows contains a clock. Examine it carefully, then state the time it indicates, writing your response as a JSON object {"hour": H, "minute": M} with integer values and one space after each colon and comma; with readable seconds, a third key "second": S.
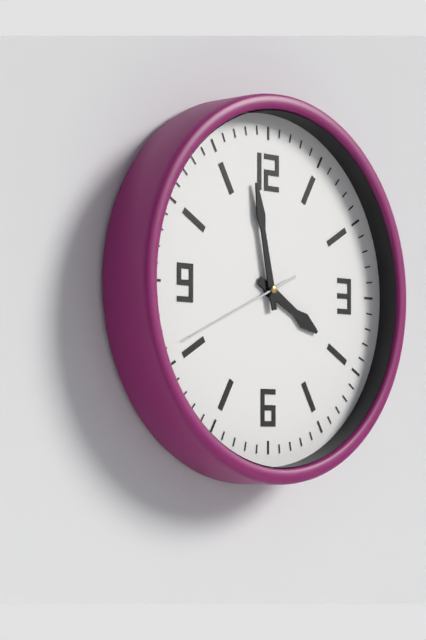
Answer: {"hour": 3, "minute": 58, "second": 41}
